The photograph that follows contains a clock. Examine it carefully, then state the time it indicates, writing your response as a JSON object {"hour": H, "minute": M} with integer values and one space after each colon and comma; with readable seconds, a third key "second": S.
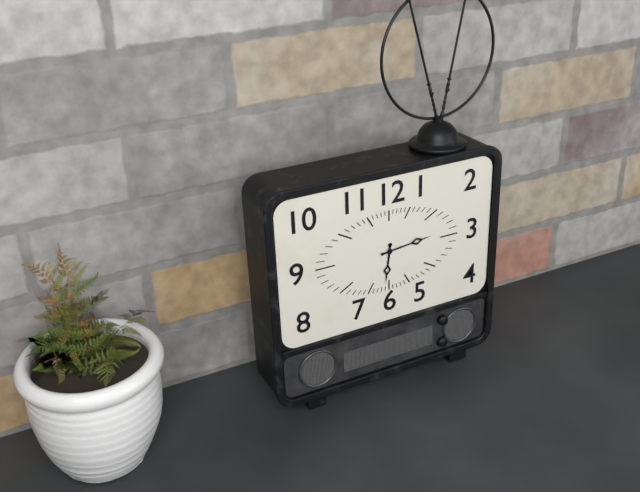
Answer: {"hour": 6, "minute": 14}
